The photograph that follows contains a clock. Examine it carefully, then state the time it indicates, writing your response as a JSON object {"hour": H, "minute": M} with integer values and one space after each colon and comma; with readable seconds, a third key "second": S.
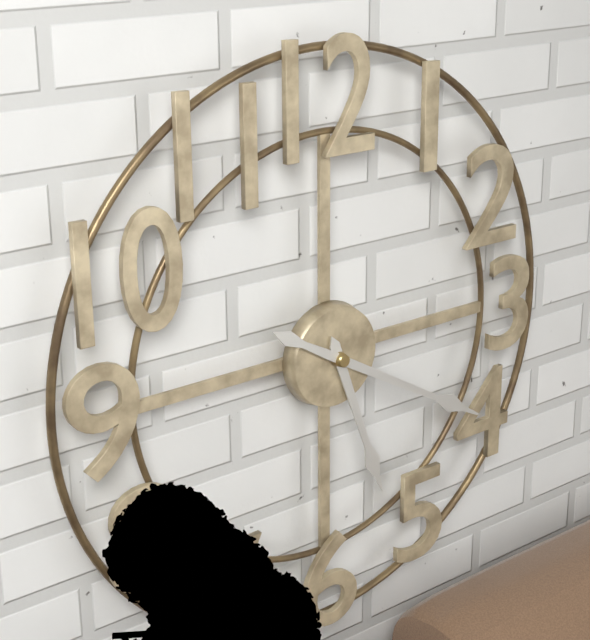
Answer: {"hour": 5, "minute": 20}
